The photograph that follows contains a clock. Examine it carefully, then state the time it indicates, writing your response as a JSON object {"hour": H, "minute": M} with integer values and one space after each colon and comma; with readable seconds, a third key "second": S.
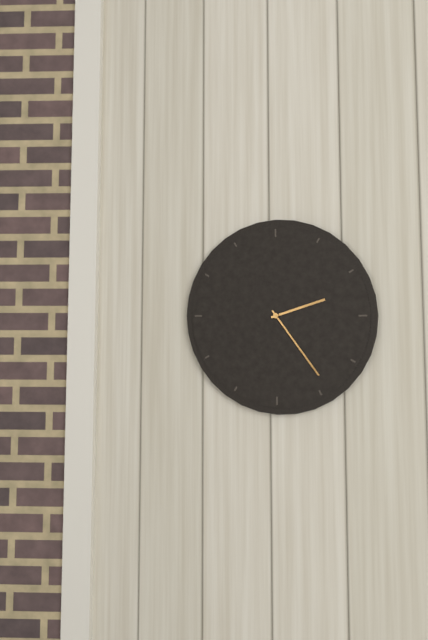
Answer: {"hour": 2, "minute": 24}
